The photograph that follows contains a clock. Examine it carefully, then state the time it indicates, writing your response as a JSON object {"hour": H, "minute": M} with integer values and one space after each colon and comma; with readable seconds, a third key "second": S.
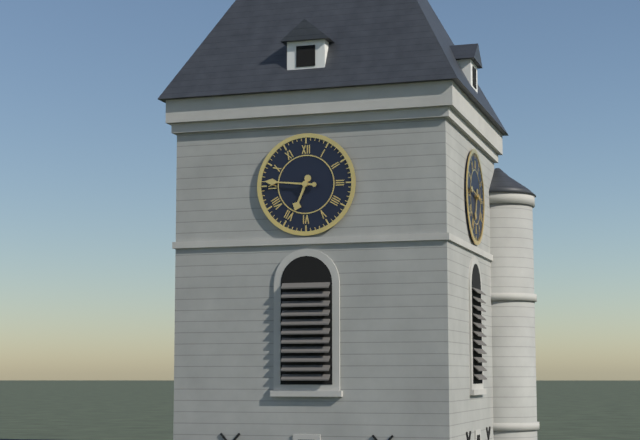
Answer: {"hour": 6, "minute": 46}
